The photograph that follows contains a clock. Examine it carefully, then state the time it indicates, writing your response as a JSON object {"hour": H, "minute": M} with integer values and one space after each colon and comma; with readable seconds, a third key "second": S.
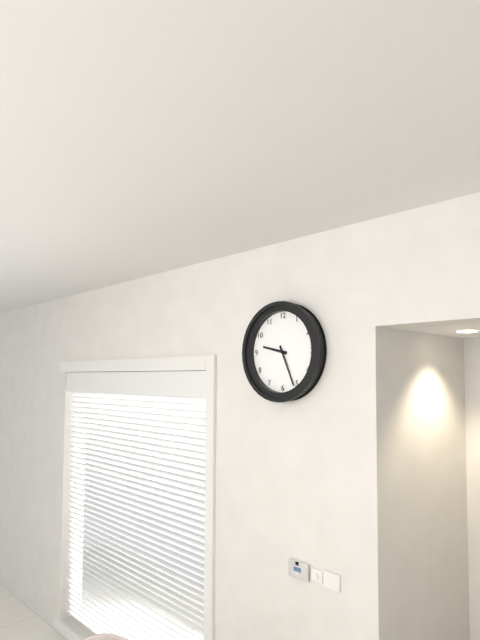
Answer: {"hour": 9, "minute": 26}
